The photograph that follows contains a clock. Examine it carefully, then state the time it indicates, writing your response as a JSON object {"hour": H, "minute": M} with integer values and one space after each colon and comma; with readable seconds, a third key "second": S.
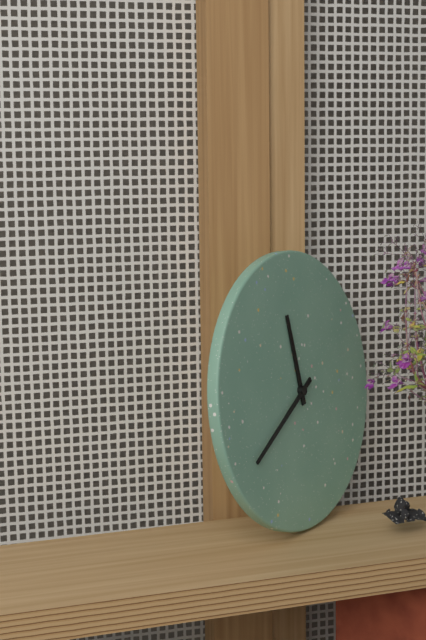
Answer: {"hour": 11, "minute": 40}
